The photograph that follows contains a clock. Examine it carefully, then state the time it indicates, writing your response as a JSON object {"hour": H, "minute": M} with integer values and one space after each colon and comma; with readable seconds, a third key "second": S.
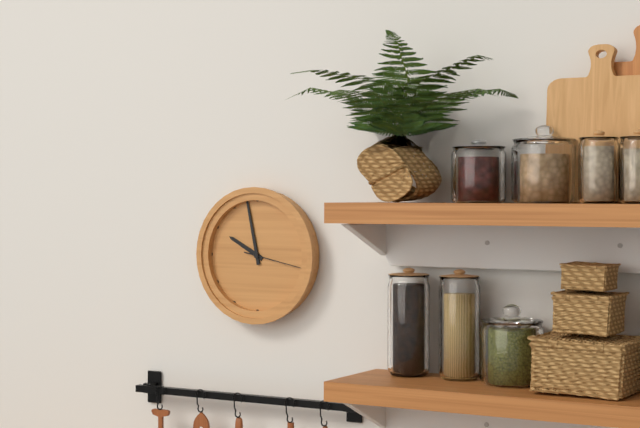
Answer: {"hour": 9, "minute": 58, "second": 17}
